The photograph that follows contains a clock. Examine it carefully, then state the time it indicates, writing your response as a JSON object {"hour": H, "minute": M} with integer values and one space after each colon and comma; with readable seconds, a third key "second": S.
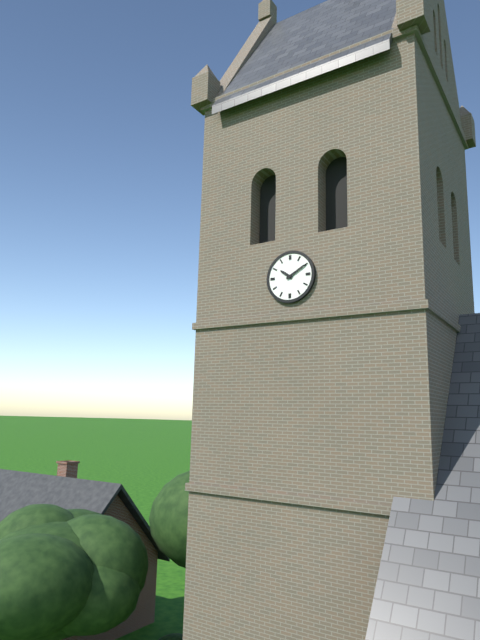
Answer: {"hour": 10, "minute": 10}
